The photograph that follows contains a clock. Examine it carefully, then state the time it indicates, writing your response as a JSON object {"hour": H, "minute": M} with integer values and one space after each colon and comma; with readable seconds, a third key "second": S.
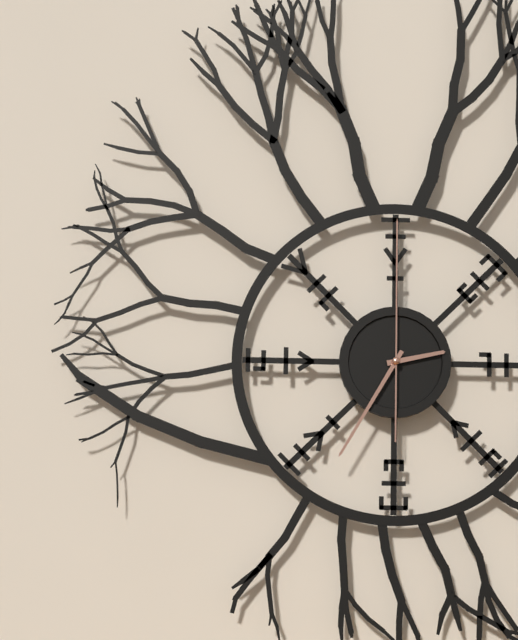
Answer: {"hour": 2, "minute": 35, "second": 0}
